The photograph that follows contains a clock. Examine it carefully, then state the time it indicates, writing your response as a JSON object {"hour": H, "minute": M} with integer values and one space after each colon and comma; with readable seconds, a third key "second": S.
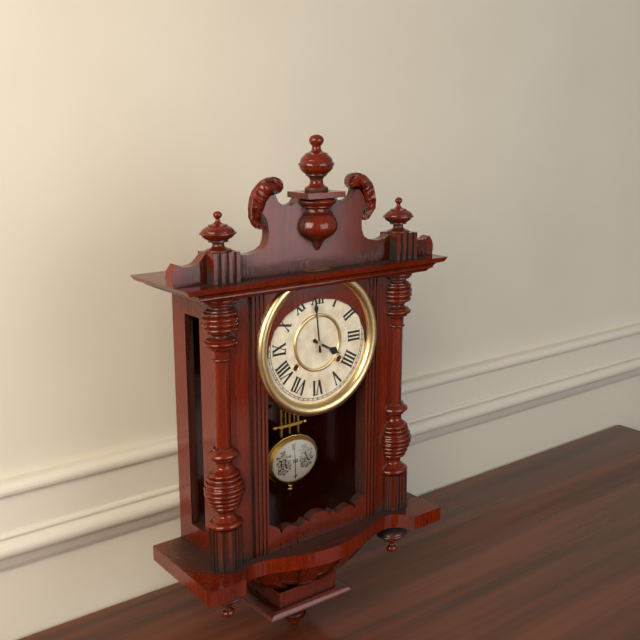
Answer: {"hour": 3, "minute": 59}
